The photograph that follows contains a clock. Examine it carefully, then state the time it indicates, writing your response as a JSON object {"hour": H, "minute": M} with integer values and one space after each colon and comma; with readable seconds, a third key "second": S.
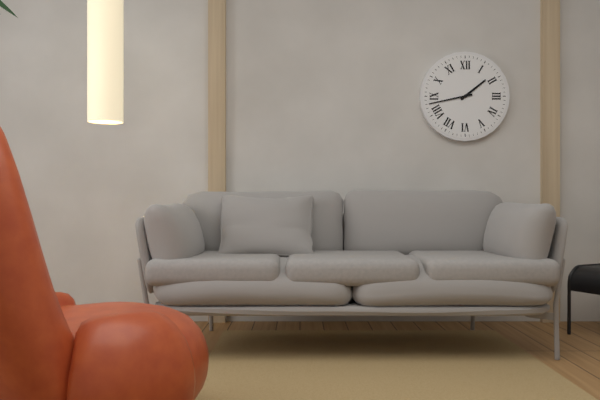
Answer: {"hour": 1, "minute": 43}
